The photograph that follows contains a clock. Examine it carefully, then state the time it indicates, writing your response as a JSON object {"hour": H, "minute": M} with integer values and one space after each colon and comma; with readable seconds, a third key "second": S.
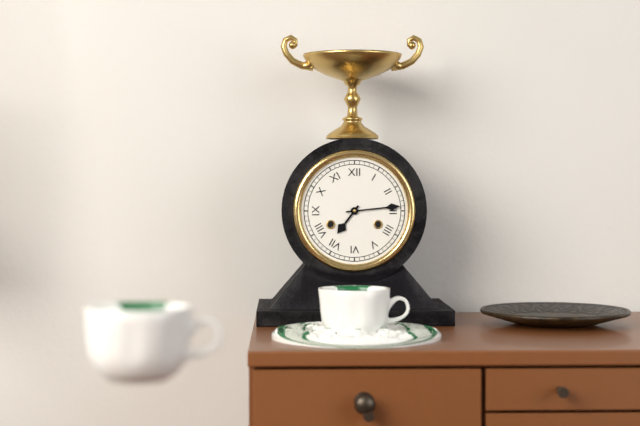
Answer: {"hour": 7, "minute": 14}
